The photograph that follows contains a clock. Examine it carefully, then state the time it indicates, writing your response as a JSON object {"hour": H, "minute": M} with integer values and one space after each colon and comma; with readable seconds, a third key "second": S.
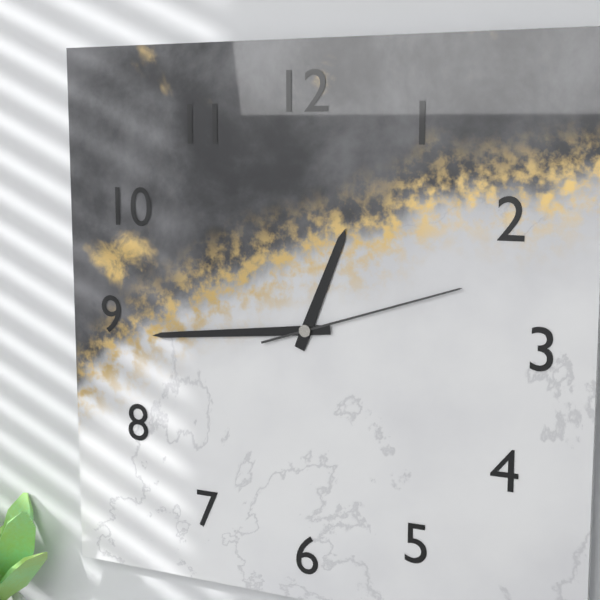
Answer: {"hour": 12, "minute": 44, "second": 12}
